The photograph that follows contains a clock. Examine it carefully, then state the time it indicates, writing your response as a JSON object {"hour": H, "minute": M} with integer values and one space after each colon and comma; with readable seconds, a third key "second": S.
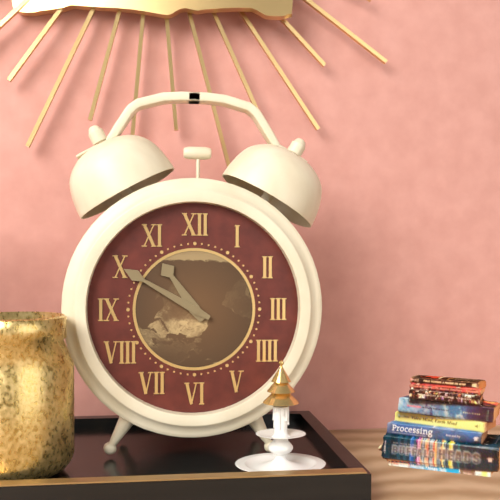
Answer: {"hour": 10, "minute": 50}
